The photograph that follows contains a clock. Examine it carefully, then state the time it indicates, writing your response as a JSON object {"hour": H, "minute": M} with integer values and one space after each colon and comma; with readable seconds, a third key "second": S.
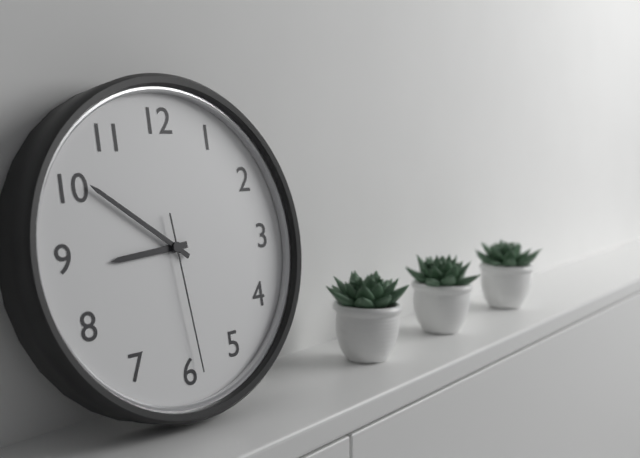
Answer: {"hour": 8, "minute": 51, "second": 29}
